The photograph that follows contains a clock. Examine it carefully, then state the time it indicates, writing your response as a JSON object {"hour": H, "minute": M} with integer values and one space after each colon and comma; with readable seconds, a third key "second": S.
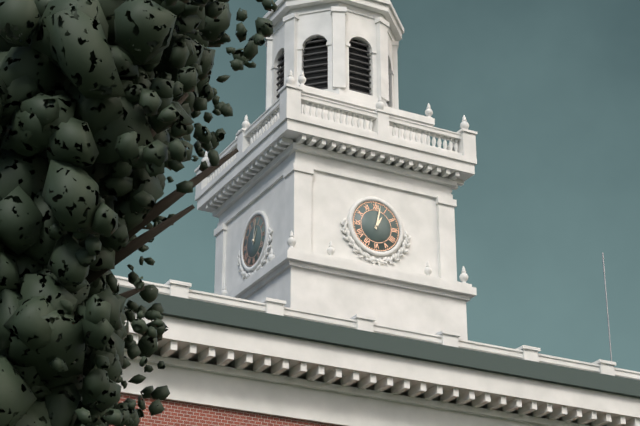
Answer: {"hour": 1, "minute": 2}
